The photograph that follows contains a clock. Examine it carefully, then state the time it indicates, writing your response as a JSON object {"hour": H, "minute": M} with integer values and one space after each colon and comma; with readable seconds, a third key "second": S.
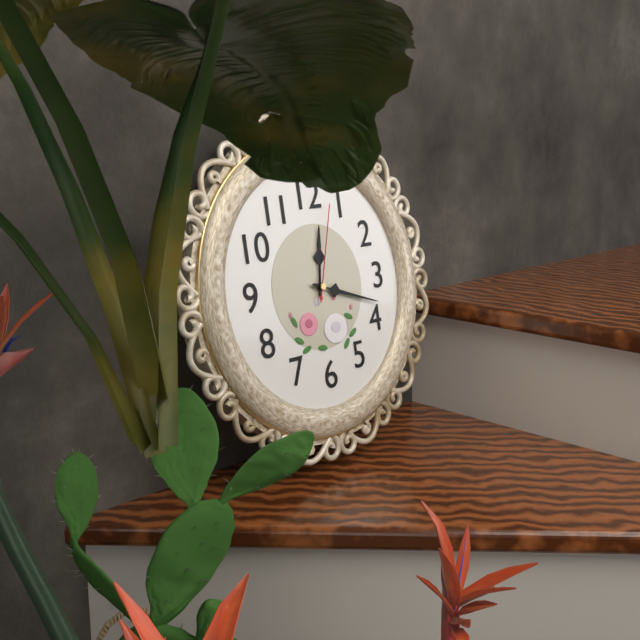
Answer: {"hour": 12, "minute": 18, "second": 3}
